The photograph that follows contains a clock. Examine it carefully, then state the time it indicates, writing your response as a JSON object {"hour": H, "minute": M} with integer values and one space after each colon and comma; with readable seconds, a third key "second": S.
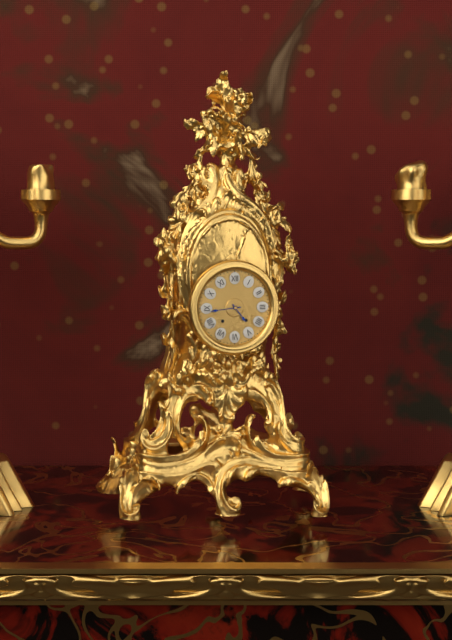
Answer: {"hour": 4, "minute": 44}
